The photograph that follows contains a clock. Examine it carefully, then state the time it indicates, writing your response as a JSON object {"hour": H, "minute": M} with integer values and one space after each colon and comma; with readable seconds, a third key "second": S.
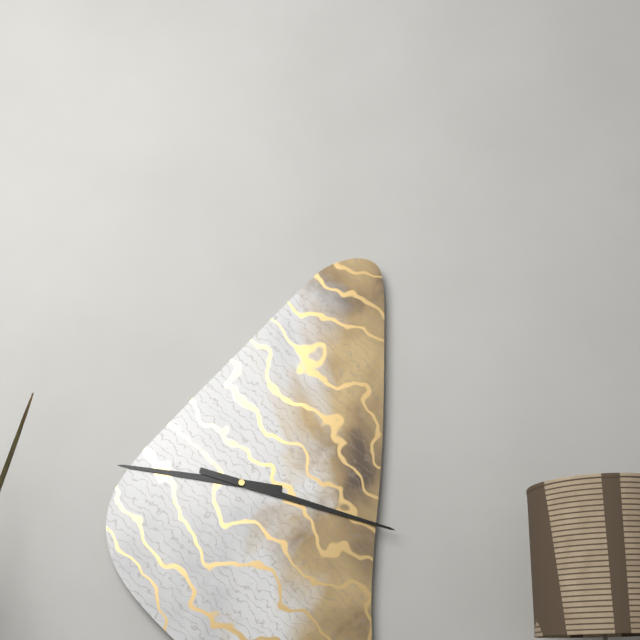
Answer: {"hour": 9, "minute": 18}
